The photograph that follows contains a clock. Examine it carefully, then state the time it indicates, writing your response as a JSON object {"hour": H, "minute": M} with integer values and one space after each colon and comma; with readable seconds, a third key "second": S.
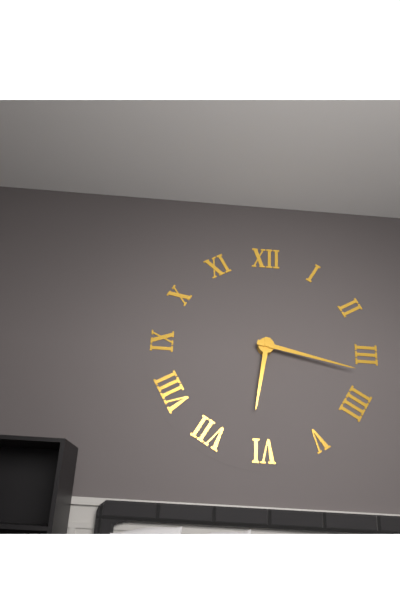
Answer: {"hour": 6, "minute": 17}
